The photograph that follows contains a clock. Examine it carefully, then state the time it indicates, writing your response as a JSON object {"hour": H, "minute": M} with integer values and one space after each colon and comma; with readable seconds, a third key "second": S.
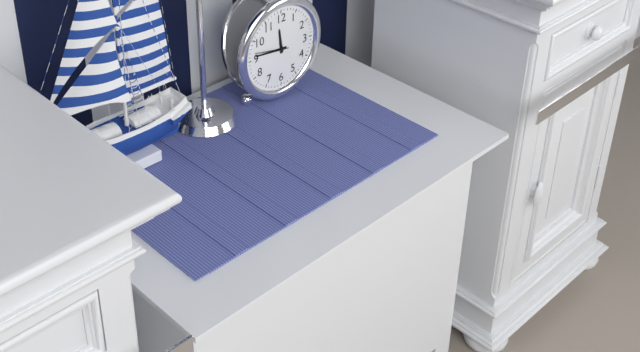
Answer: {"hour": 11, "minute": 46}
